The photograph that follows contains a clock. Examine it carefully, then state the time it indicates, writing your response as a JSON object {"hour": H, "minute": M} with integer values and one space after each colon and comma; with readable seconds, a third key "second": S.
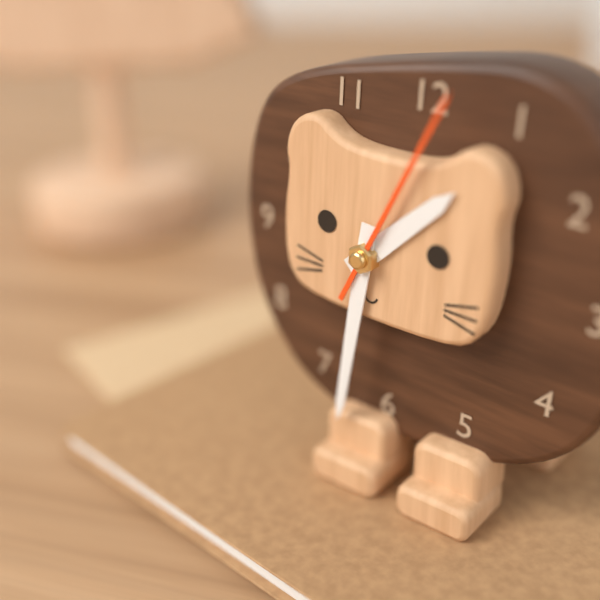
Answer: {"hour": 1, "minute": 31, "second": 4}
